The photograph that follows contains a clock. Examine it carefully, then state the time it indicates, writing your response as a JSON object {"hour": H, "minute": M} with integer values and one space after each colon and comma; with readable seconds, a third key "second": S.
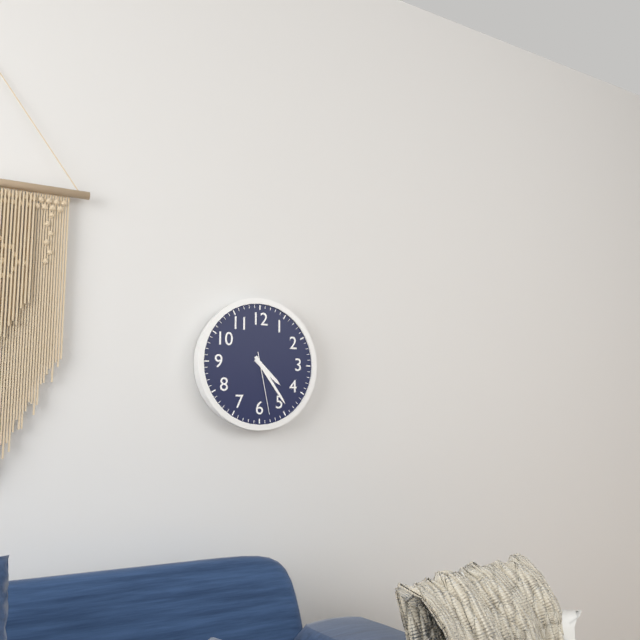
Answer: {"hour": 4, "minute": 24, "second": 28}
